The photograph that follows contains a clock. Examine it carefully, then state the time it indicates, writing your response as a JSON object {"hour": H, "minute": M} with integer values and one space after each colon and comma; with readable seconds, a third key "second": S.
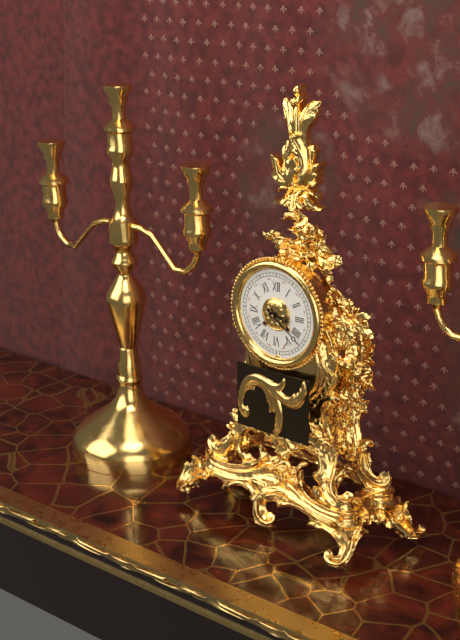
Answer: {"hour": 3, "minute": 21}
